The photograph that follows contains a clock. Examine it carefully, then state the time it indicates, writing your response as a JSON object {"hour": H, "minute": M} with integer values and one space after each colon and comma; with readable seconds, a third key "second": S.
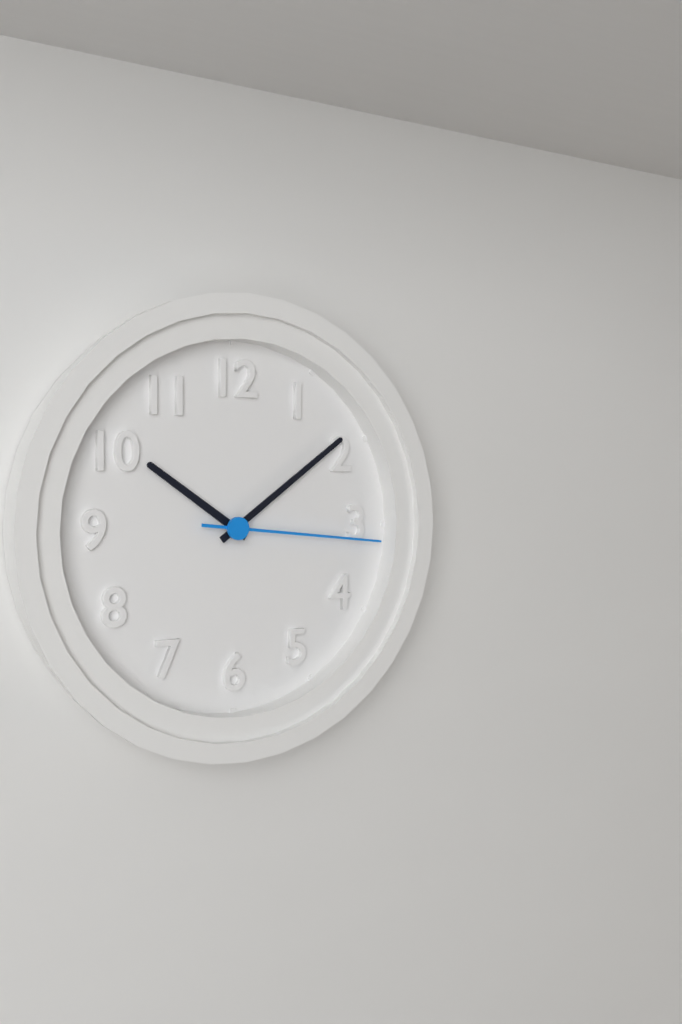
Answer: {"hour": 10, "minute": 9, "second": 16}
